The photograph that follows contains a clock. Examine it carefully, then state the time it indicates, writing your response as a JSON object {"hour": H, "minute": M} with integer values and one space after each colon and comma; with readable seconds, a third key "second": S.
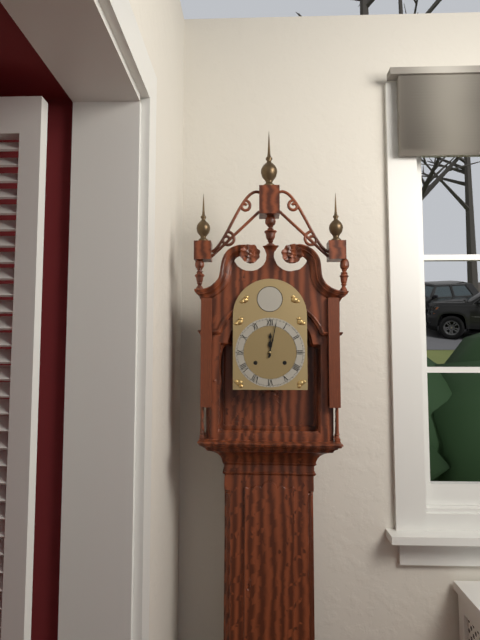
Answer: {"hour": 12, "minute": 2}
